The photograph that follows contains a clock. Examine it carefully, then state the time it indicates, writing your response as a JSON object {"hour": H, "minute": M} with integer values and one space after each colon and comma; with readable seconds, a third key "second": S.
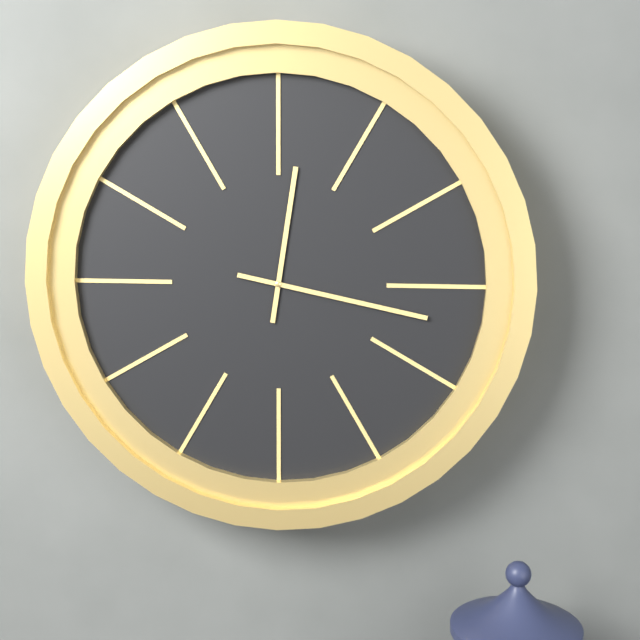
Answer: {"hour": 12, "minute": 17}
